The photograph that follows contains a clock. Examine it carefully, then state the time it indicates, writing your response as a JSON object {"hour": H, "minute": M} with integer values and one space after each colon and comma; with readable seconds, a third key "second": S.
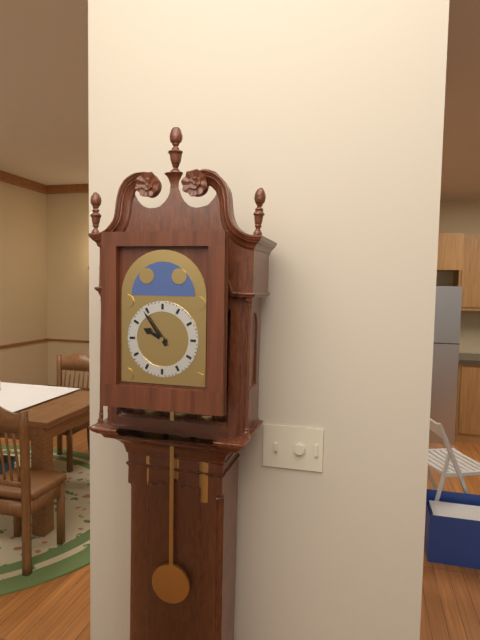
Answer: {"hour": 9, "minute": 54}
